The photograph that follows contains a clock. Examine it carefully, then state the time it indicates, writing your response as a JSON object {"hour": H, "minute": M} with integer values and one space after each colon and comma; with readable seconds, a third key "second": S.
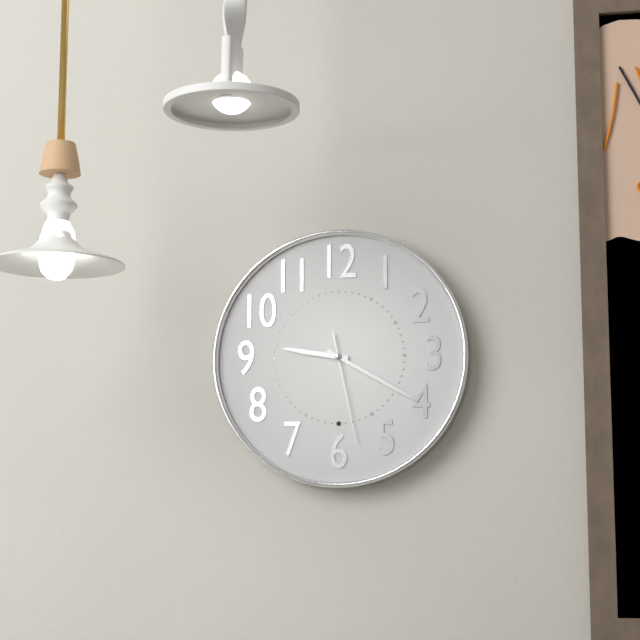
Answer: {"hour": 9, "minute": 20, "second": 28}
